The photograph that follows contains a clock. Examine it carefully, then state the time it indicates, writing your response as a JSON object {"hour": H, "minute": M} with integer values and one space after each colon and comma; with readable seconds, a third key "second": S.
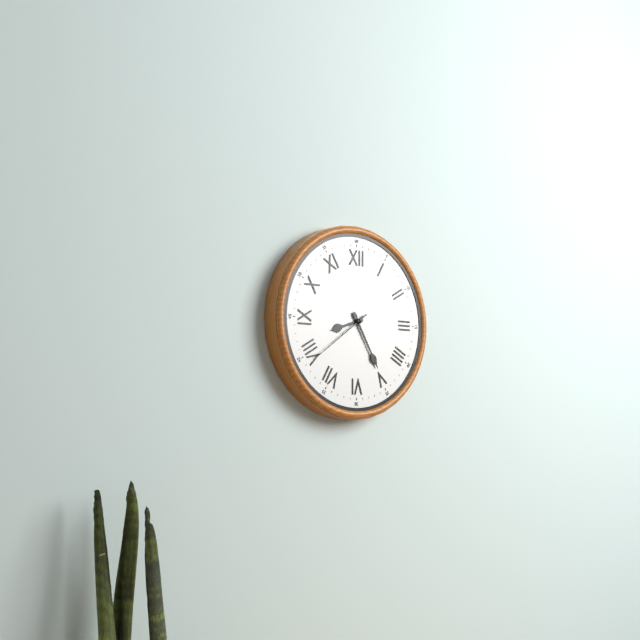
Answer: {"hour": 8, "minute": 25, "second": 39}
